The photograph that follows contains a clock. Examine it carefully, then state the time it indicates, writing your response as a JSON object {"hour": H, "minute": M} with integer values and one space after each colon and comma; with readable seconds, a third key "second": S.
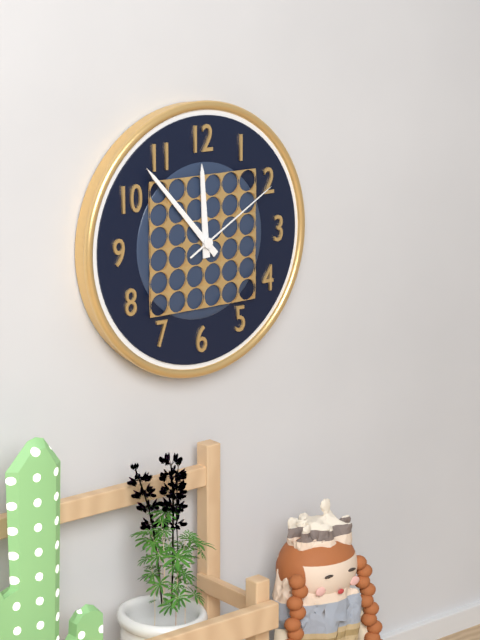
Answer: {"hour": 11, "minute": 53, "second": 10}
